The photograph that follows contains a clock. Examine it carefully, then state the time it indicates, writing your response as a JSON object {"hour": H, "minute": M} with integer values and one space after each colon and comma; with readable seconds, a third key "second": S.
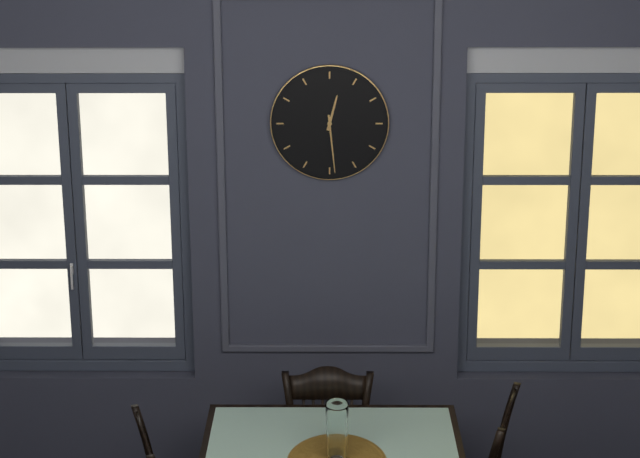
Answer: {"hour": 12, "minute": 29}
